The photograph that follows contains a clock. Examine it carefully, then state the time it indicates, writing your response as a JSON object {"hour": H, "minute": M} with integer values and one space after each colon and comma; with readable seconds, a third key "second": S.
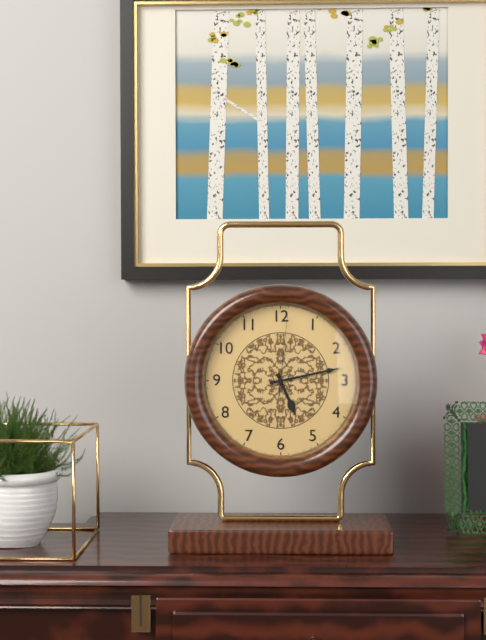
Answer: {"hour": 5, "minute": 13, "second": 1}
